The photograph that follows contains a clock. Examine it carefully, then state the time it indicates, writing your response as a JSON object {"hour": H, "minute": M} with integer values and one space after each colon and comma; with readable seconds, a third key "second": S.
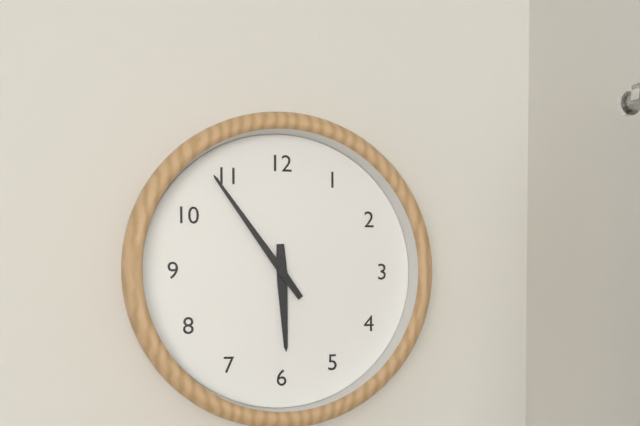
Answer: {"hour": 5, "minute": 54}
